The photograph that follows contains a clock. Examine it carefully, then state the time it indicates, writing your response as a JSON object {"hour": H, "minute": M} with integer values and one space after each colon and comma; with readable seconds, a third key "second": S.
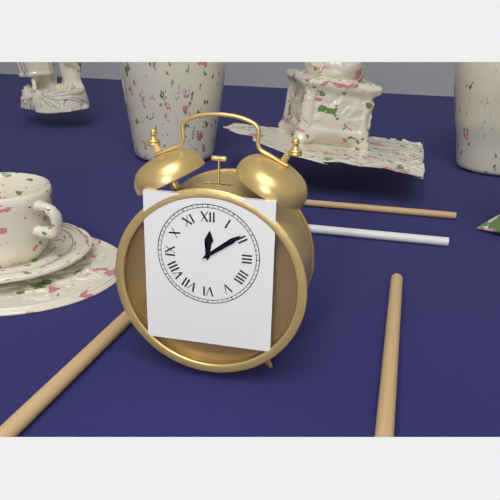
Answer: {"hour": 12, "minute": 9}
